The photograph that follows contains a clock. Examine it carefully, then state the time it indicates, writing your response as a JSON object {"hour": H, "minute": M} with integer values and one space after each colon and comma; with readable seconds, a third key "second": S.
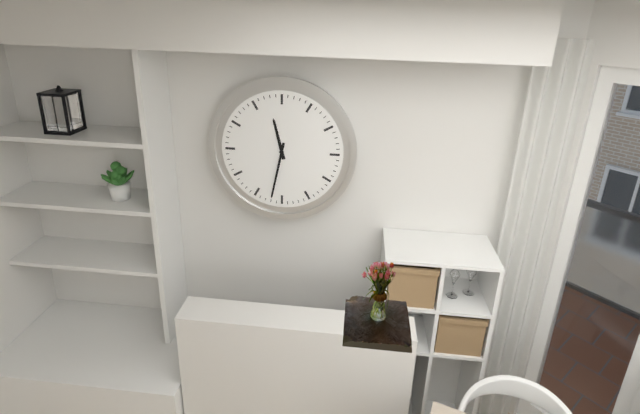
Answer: {"hour": 11, "minute": 32}
